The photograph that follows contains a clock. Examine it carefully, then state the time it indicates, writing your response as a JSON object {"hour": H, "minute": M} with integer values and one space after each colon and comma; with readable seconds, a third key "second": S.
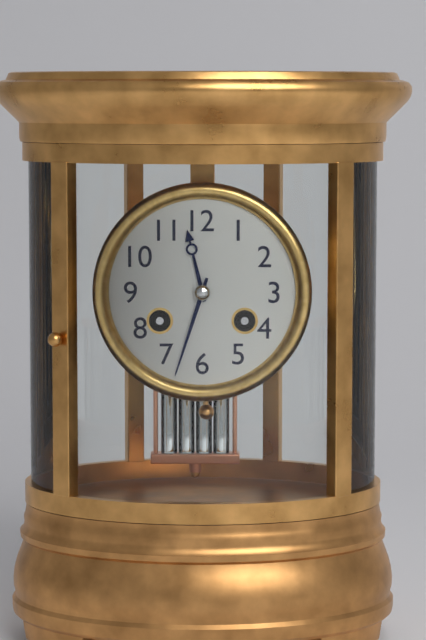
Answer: {"hour": 11, "minute": 33}
